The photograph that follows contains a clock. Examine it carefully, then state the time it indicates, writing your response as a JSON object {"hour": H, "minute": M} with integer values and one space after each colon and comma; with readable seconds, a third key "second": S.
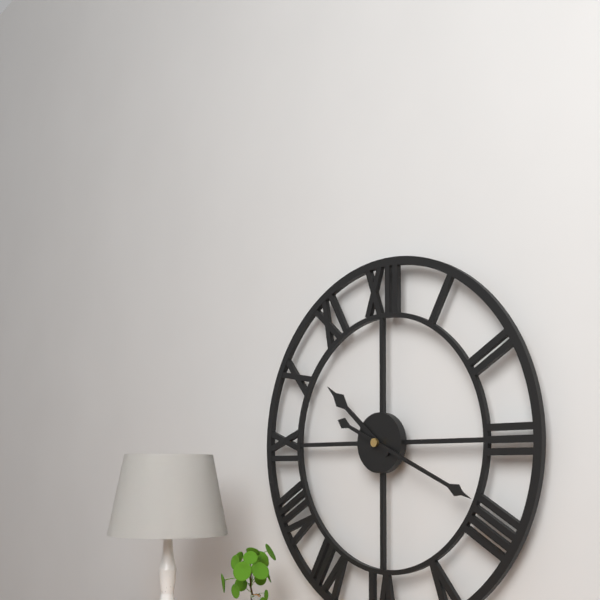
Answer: {"hour": 10, "minute": 19}
